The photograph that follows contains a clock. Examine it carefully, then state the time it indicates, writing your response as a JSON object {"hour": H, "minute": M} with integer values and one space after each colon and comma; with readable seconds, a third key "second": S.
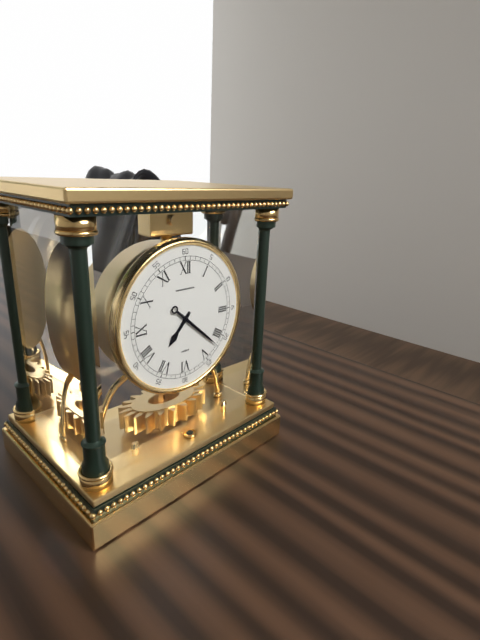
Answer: {"hour": 7, "minute": 22}
